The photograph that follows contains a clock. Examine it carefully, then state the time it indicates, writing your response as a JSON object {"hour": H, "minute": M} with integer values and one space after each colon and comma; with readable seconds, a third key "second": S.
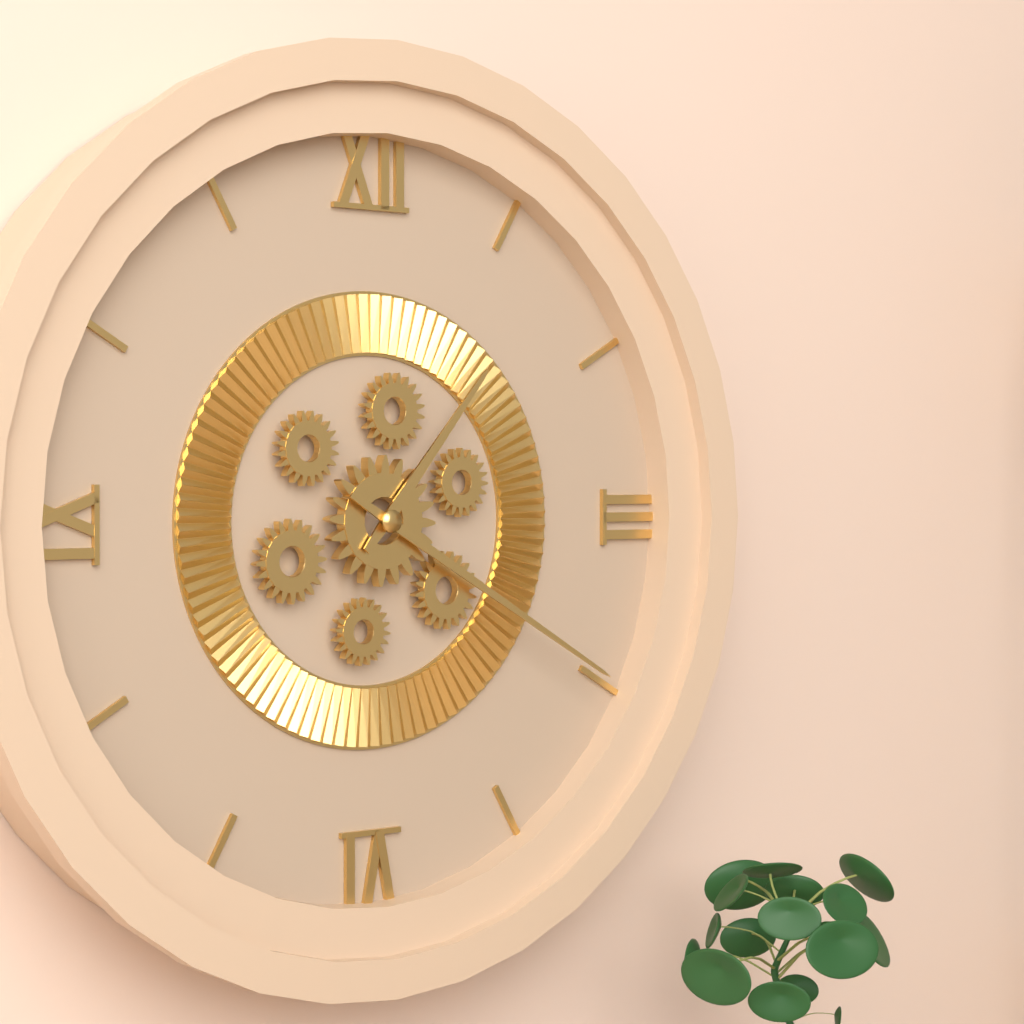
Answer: {"hour": 1, "minute": 20}
